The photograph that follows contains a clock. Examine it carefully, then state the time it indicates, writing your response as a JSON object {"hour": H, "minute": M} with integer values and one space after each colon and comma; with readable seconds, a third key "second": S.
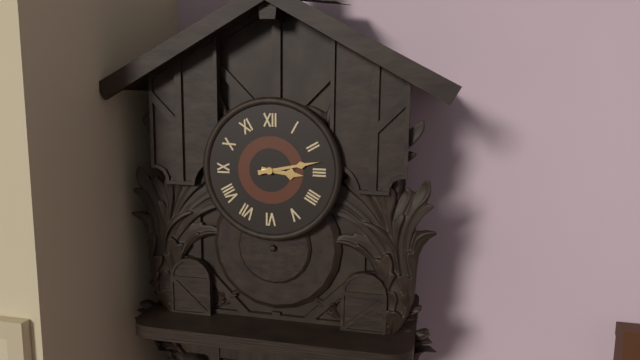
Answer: {"hour": 3, "minute": 13}
